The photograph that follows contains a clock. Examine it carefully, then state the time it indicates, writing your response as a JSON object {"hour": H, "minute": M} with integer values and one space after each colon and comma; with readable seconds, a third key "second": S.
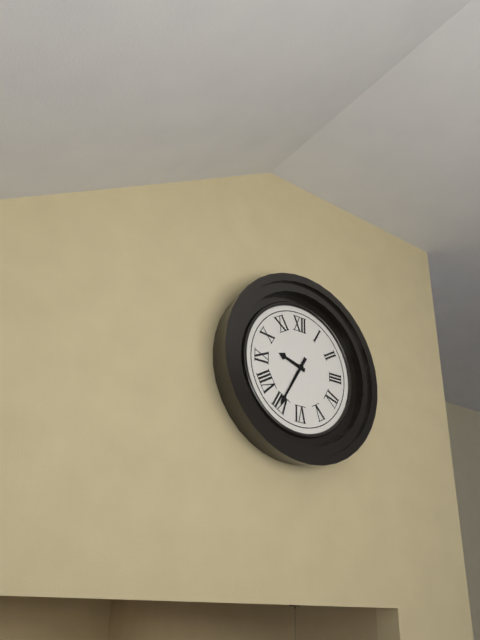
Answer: {"hour": 9, "minute": 35}
